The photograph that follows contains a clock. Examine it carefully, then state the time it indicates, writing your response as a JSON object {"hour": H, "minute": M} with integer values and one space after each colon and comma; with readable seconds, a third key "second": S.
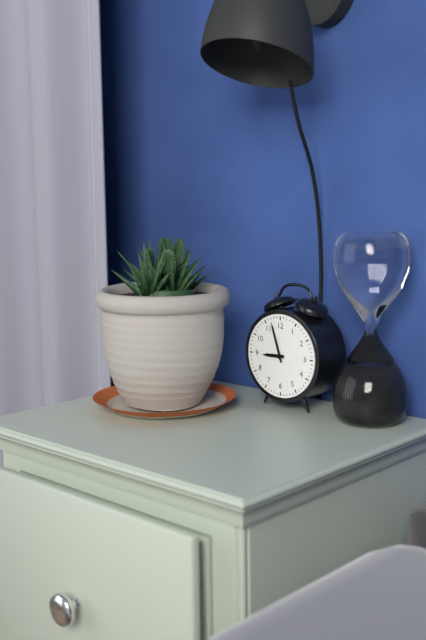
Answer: {"hour": 8, "minute": 57}
